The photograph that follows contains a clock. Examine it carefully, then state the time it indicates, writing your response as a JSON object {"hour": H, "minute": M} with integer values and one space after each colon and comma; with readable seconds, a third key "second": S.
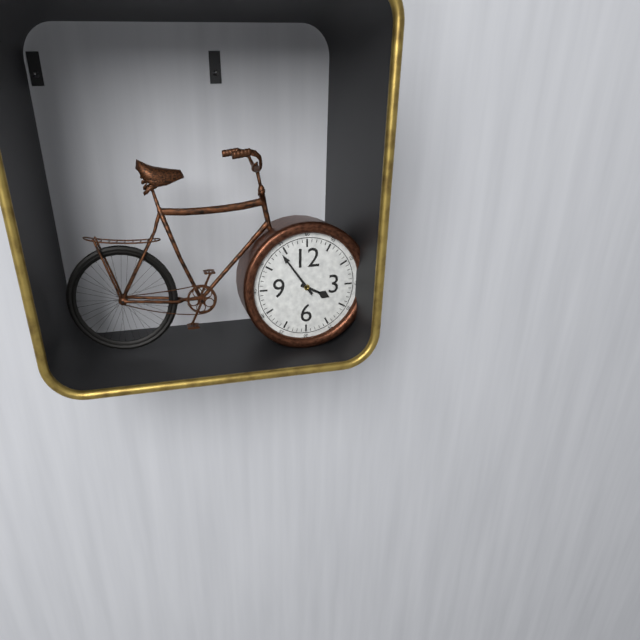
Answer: {"hour": 3, "minute": 54}
